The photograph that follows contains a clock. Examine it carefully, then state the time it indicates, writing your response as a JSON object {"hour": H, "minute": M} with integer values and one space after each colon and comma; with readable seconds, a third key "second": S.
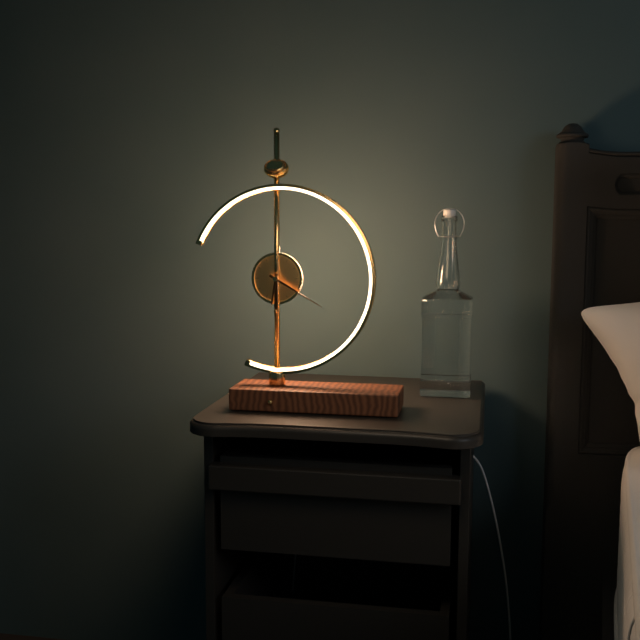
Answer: {"hour": 6, "minute": 20}
